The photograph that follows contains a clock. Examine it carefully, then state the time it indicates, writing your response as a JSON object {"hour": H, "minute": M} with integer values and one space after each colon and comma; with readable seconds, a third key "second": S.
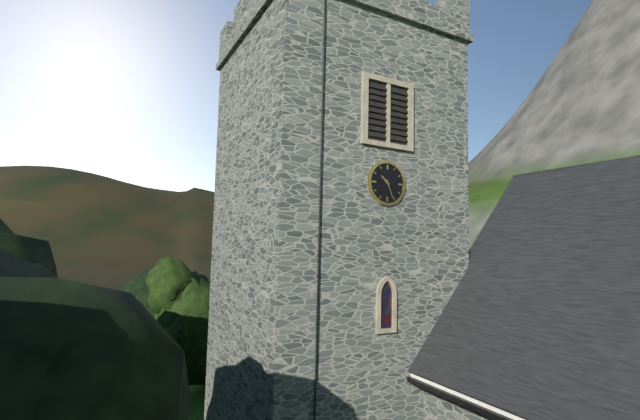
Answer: {"hour": 10, "minute": 26}
